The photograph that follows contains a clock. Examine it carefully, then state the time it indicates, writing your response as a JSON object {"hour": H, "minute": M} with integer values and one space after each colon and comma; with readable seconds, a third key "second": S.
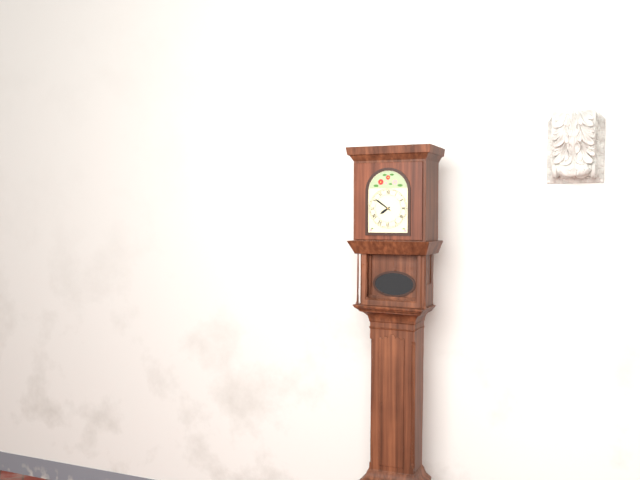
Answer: {"hour": 7, "minute": 51}
